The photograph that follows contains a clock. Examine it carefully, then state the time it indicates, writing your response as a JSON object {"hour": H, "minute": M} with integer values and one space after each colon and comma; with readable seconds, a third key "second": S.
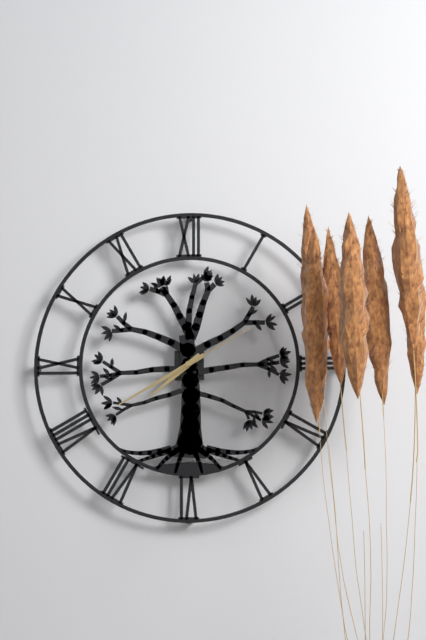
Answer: {"hour": 7, "minute": 40, "second": 10}
